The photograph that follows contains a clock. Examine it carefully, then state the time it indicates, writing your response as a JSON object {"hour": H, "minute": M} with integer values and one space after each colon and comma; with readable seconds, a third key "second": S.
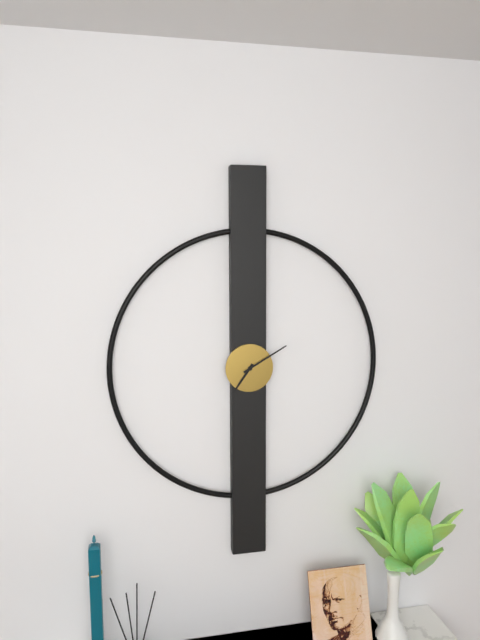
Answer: {"hour": 7, "minute": 10}
